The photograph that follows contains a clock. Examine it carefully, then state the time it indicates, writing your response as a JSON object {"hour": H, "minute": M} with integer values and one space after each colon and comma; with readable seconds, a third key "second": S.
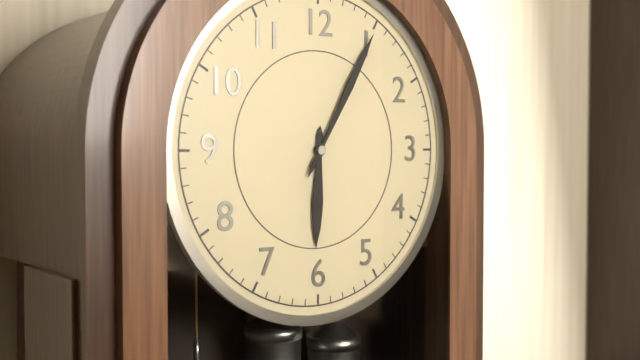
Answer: {"hour": 6, "minute": 5}
